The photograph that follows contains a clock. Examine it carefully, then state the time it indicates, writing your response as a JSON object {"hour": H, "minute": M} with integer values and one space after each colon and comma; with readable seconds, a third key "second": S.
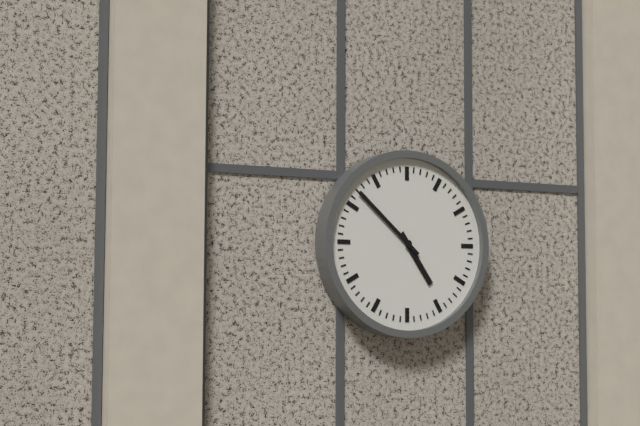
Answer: {"hour": 4, "minute": 52}
